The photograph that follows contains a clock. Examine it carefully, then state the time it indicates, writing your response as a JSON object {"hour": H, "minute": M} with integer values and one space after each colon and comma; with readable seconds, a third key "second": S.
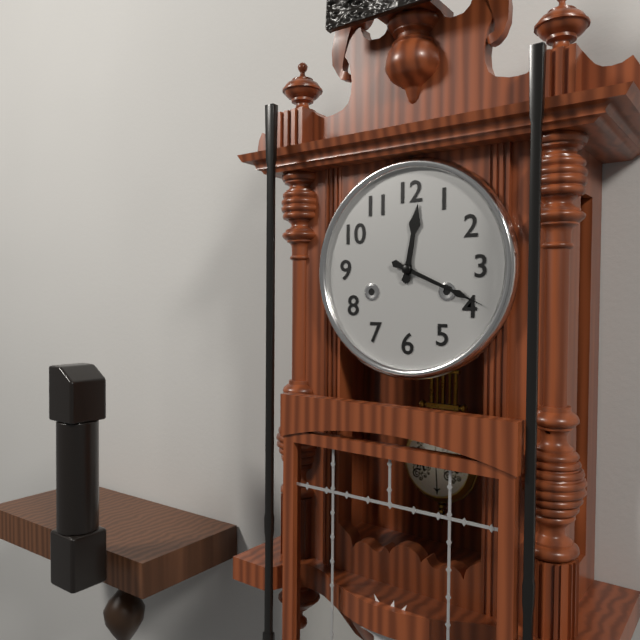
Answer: {"hour": 12, "minute": 19}
